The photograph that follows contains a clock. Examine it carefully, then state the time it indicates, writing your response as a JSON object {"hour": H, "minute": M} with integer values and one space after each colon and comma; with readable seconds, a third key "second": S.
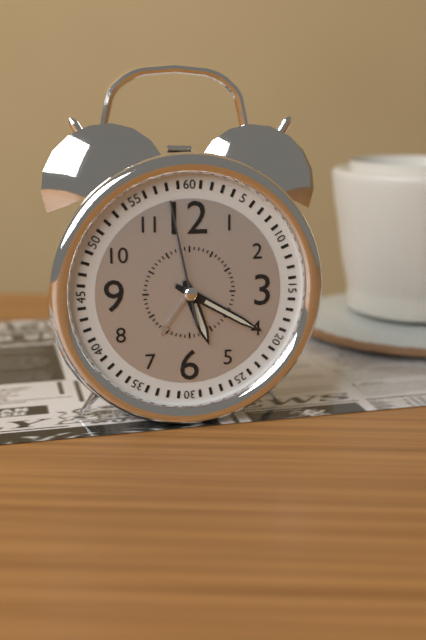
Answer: {"hour": 5, "minute": 20, "second": 58}
